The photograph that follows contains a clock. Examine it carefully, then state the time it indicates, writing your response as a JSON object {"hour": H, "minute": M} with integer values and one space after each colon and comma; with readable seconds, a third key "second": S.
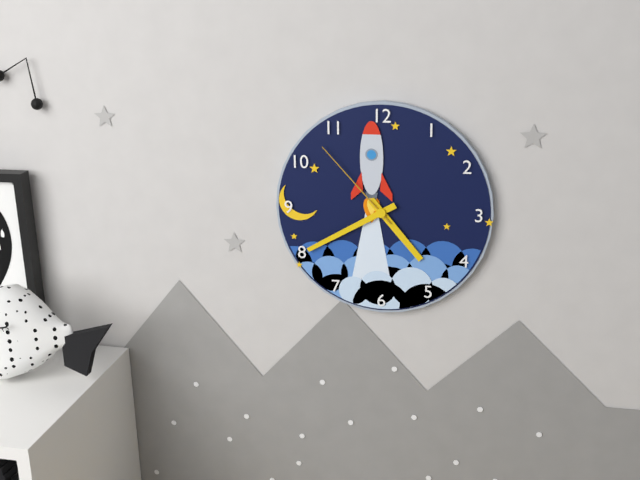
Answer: {"hour": 4, "minute": 40, "second": 53}
